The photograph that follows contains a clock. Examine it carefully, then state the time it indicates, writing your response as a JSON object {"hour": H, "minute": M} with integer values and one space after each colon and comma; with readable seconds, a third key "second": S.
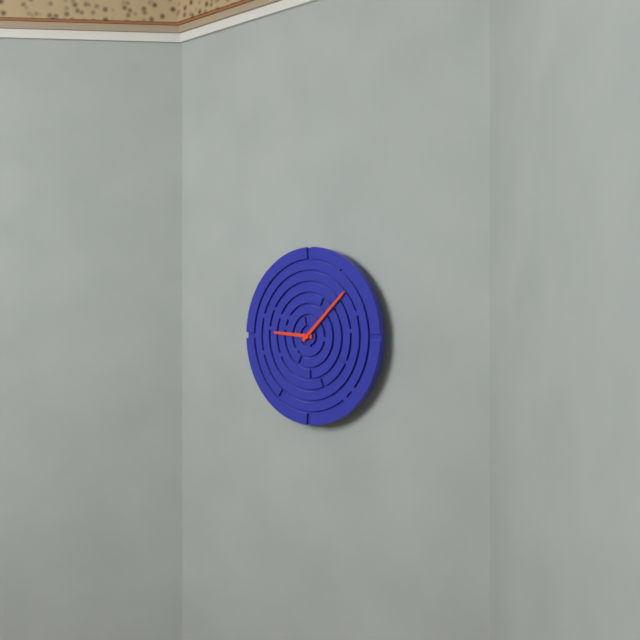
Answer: {"hour": 9, "minute": 8}
